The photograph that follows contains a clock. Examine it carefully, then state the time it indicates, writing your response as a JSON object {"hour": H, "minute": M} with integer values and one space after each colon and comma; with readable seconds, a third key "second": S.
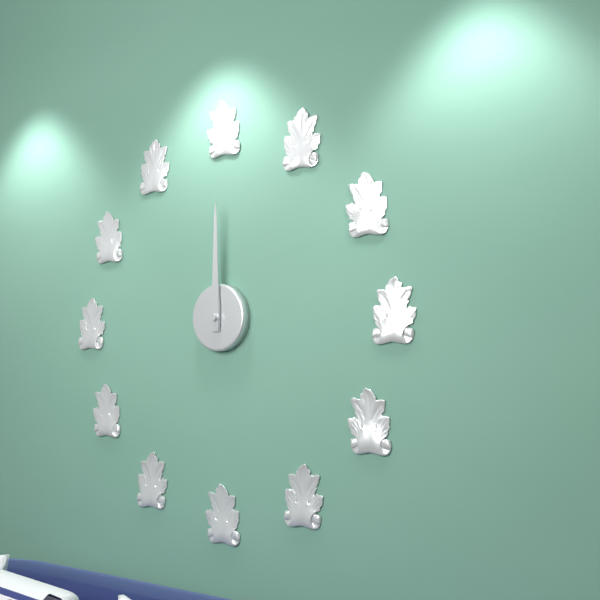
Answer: {"hour": 12, "minute": 0}
